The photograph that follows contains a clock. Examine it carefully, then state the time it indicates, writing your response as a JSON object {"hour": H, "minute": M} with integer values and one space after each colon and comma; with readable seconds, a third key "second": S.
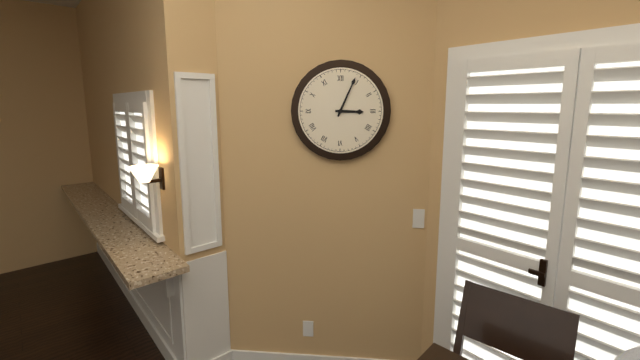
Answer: {"hour": 3, "minute": 4}
